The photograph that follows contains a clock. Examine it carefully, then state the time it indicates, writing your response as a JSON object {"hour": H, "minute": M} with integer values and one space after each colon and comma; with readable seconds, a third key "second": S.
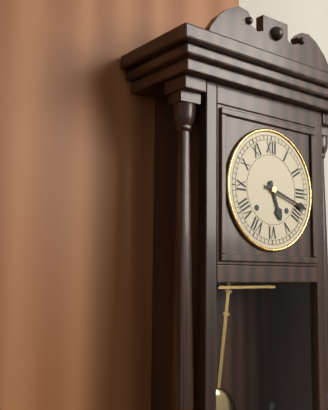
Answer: {"hour": 5, "minute": 18}
